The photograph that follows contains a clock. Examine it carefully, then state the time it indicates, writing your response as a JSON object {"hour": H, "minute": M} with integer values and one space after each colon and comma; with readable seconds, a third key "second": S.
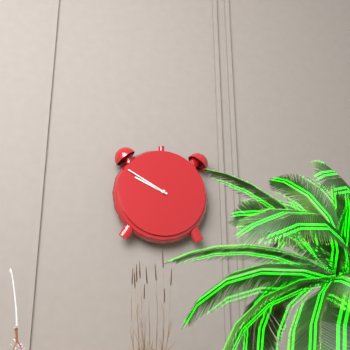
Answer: {"hour": 9, "minute": 50}
